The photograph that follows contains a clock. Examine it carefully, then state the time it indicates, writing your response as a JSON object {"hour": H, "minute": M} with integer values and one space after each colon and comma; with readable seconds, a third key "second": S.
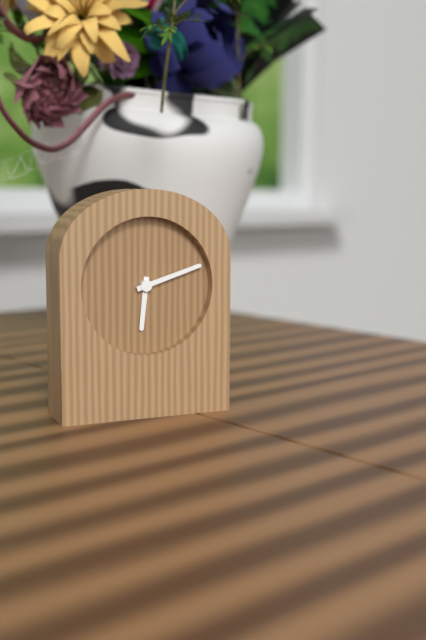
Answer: {"hour": 6, "minute": 12}
